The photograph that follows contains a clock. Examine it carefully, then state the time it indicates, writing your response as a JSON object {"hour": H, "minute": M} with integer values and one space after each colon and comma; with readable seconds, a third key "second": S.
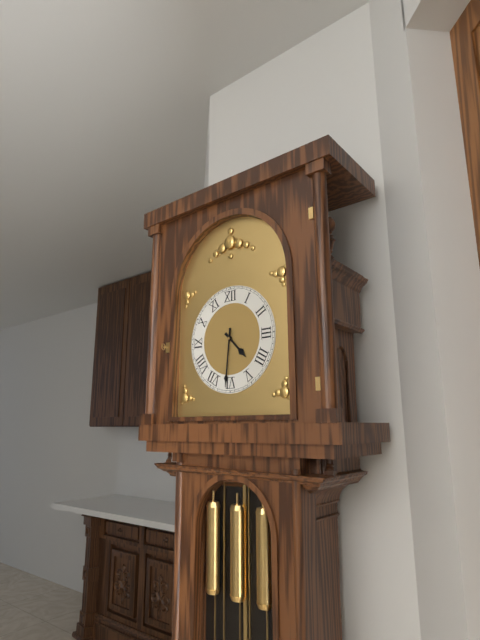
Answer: {"hour": 4, "minute": 31}
